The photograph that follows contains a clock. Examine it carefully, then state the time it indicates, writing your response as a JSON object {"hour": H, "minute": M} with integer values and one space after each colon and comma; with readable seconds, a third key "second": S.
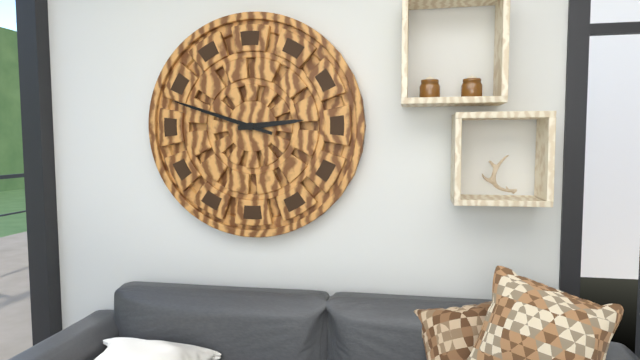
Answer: {"hour": 2, "minute": 48}
